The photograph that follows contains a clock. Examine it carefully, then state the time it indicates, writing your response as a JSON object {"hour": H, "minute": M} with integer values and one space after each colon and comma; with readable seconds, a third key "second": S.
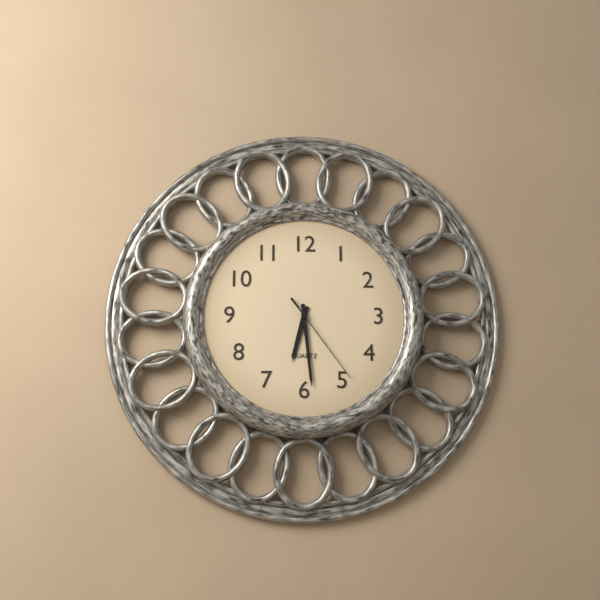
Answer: {"hour": 6, "minute": 29, "second": 24}
